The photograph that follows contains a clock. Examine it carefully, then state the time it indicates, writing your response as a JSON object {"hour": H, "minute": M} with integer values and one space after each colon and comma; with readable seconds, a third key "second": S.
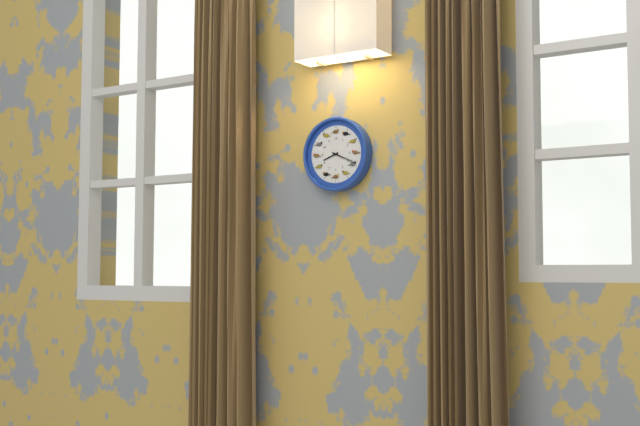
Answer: {"hour": 8, "minute": 19}
